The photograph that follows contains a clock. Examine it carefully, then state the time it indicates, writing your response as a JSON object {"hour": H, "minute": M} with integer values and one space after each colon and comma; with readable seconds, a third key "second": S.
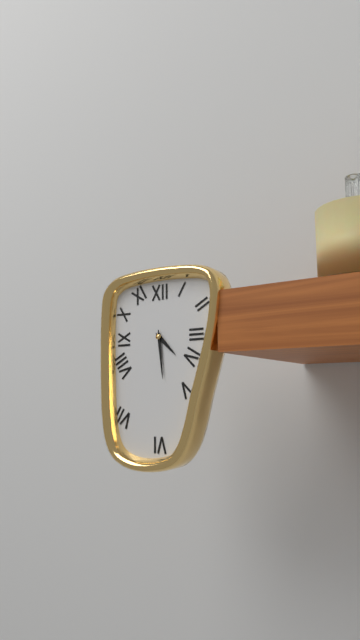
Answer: {"hour": 4, "minute": 29}
